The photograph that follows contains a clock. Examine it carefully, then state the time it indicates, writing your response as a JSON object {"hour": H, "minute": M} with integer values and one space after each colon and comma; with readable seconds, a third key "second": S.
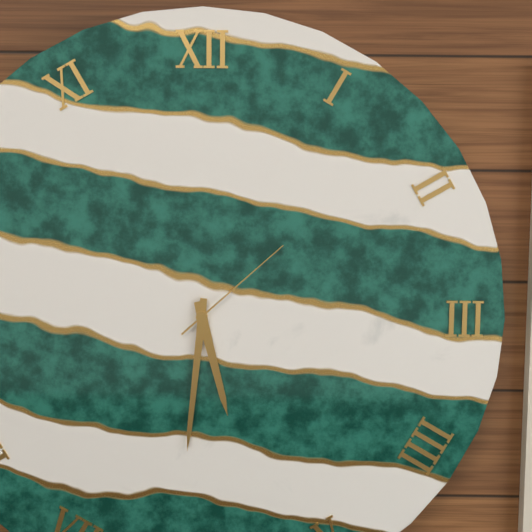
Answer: {"hour": 5, "minute": 31, "second": 8}
